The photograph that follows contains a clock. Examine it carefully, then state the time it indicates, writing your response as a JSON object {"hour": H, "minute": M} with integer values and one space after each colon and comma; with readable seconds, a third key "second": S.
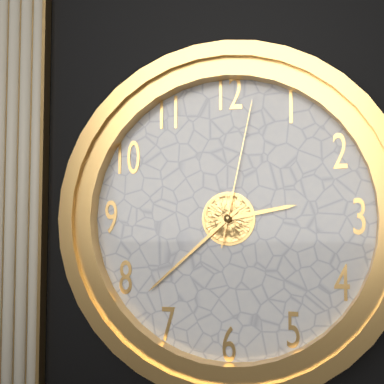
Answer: {"hour": 2, "minute": 38, "second": 2}
